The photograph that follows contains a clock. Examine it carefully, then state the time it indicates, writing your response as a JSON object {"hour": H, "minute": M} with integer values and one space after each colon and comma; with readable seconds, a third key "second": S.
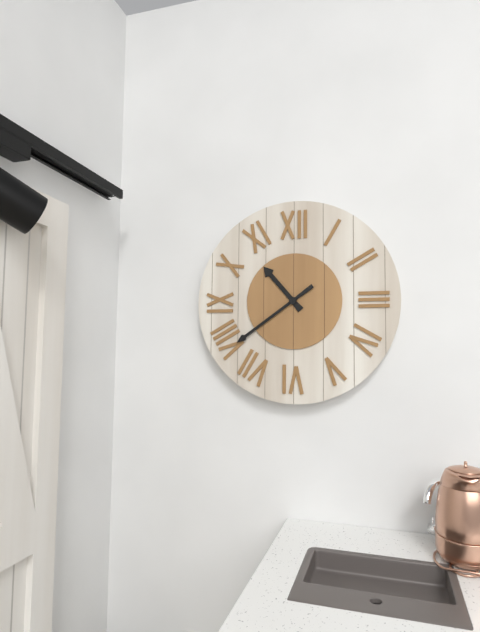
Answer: {"hour": 10, "minute": 39}
